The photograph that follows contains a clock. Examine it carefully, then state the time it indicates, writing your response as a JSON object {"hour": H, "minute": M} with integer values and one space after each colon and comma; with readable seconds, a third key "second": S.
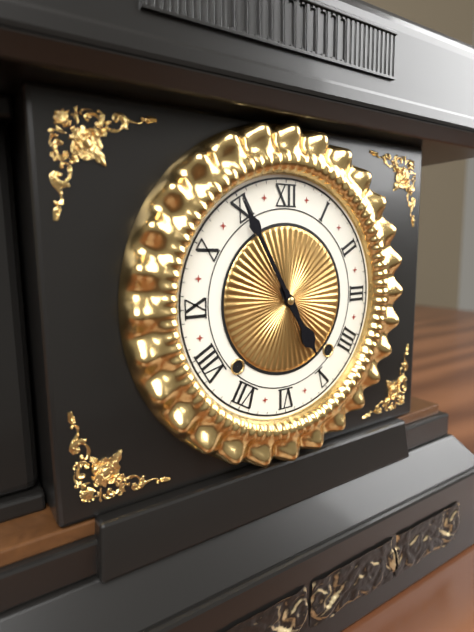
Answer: {"hour": 4, "minute": 55}
